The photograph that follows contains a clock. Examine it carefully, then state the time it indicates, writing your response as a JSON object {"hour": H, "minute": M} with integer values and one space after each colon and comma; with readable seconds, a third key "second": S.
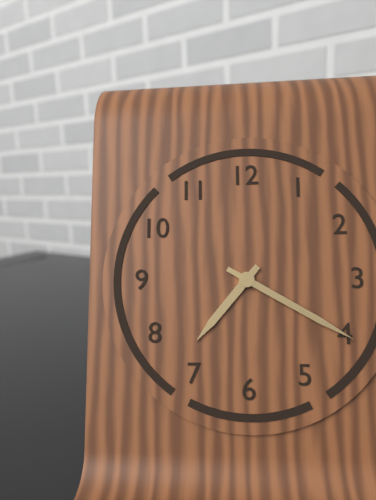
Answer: {"hour": 7, "minute": 20}
